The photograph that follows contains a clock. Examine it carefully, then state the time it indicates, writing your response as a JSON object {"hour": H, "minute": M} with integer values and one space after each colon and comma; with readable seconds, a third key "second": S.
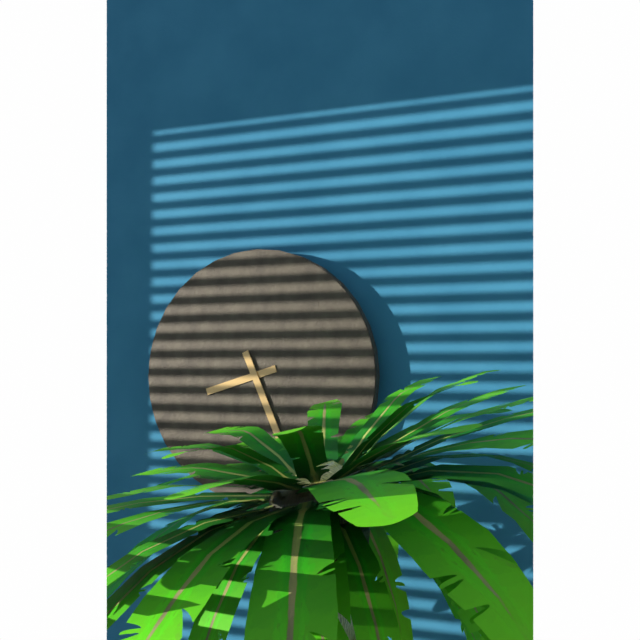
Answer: {"hour": 8, "minute": 26}
